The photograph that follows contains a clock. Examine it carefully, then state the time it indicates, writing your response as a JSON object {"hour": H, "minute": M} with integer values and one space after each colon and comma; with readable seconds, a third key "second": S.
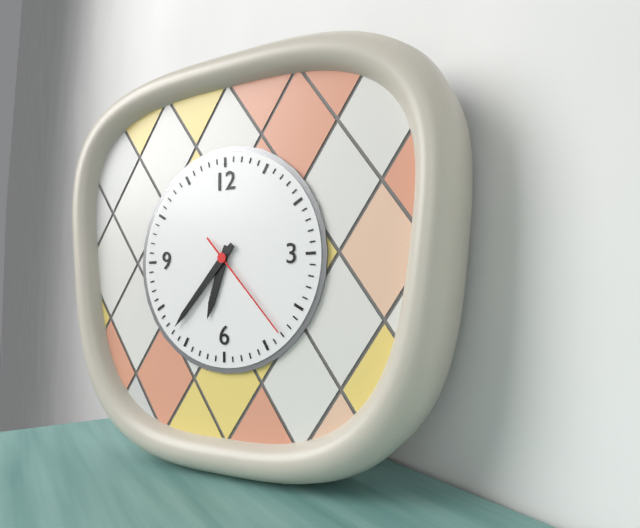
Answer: {"hour": 6, "minute": 37, "second": 23}
